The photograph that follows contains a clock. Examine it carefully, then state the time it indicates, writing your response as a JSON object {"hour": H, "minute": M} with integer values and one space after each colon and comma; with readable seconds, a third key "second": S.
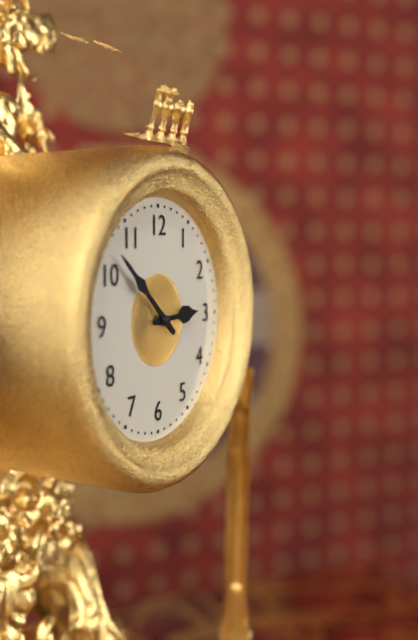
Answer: {"hour": 2, "minute": 52}
